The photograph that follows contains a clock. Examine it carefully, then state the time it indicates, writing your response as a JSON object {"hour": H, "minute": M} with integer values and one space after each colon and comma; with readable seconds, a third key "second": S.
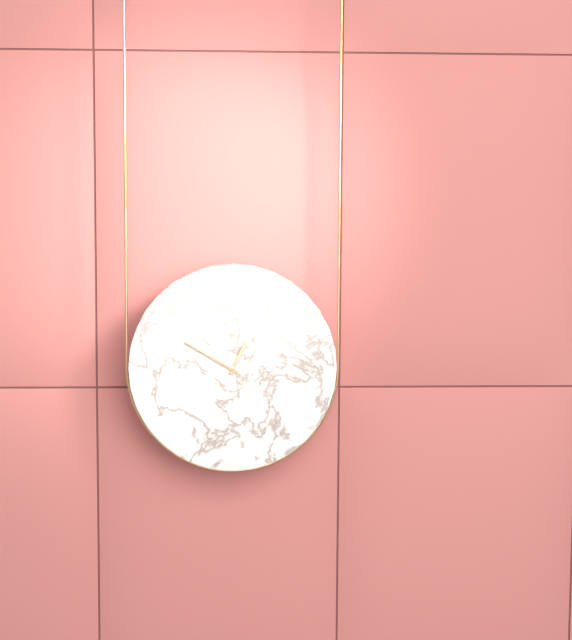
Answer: {"hour": 12, "minute": 50}
